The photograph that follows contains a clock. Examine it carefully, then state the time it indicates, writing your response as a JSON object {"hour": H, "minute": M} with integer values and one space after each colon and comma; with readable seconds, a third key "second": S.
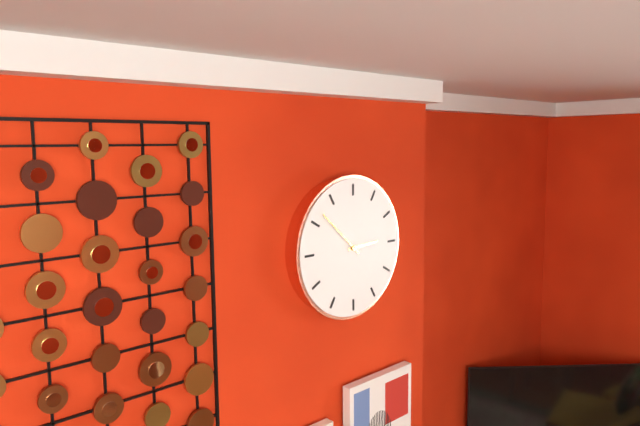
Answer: {"hour": 2, "minute": 52}
